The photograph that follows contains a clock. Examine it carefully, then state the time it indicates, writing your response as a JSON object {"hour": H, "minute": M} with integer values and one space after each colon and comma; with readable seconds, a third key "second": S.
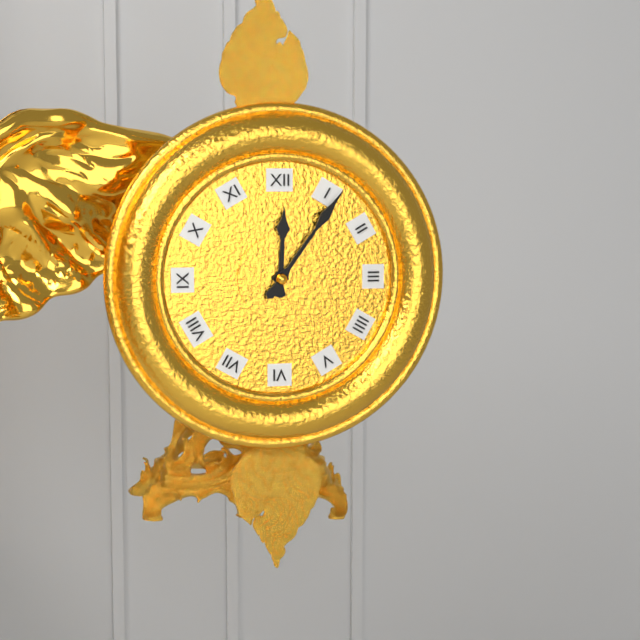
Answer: {"hour": 12, "minute": 6}
